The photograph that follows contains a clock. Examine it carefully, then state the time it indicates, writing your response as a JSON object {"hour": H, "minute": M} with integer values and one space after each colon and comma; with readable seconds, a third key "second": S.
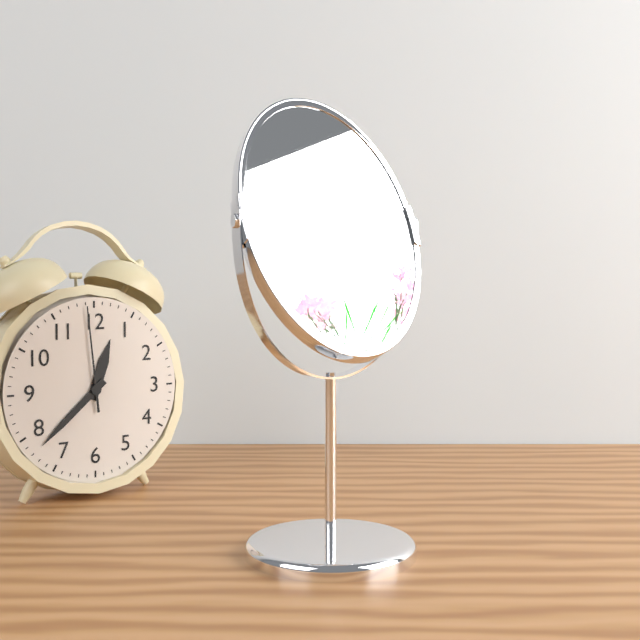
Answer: {"hour": 12, "minute": 38, "second": 59}
